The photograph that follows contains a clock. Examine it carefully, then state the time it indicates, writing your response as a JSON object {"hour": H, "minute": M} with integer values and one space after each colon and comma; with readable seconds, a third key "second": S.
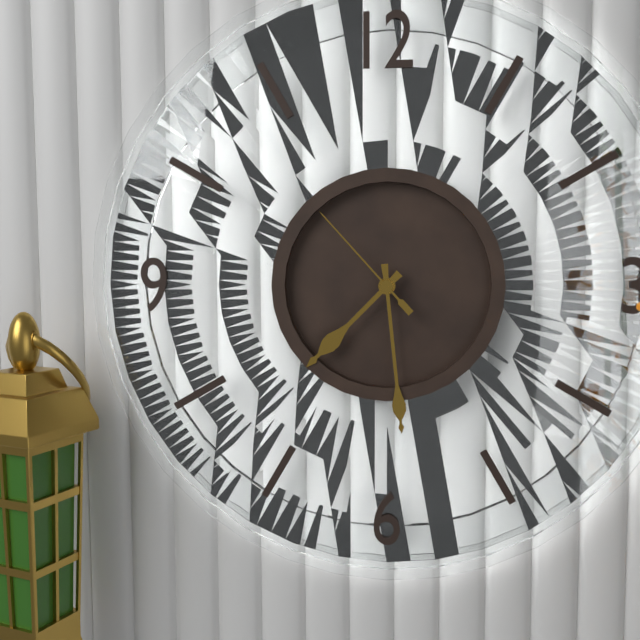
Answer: {"hour": 7, "minute": 29, "second": 53}
